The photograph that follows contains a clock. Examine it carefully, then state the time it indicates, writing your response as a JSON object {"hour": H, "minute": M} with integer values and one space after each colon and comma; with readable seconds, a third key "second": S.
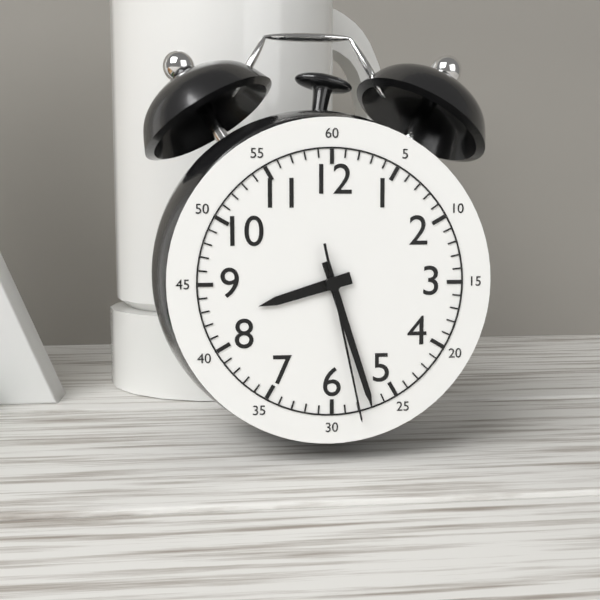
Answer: {"hour": 8, "minute": 27, "second": 28}
